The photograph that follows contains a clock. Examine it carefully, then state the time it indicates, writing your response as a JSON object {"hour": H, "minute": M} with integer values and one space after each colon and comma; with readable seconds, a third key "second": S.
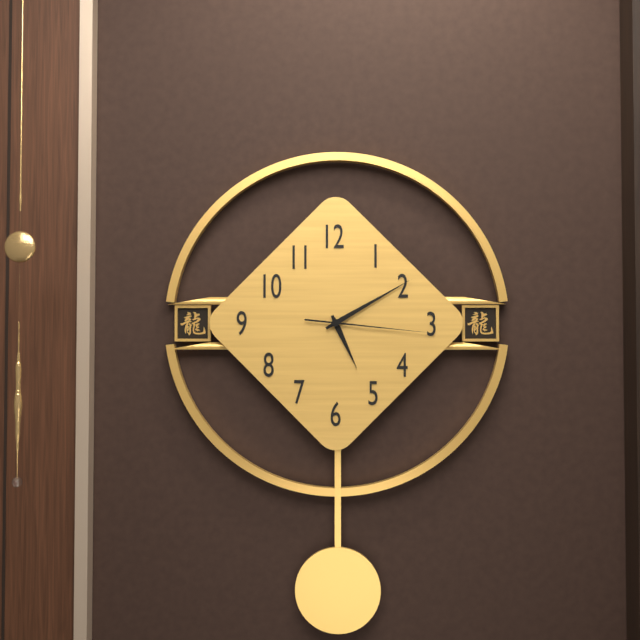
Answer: {"hour": 5, "minute": 10, "second": 16}
